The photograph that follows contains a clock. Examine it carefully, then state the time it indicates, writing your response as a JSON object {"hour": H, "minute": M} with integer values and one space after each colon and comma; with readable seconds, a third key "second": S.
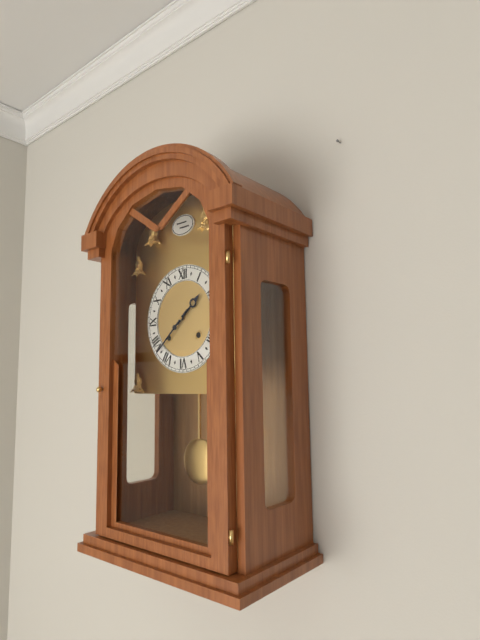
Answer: {"hour": 1, "minute": 38}
